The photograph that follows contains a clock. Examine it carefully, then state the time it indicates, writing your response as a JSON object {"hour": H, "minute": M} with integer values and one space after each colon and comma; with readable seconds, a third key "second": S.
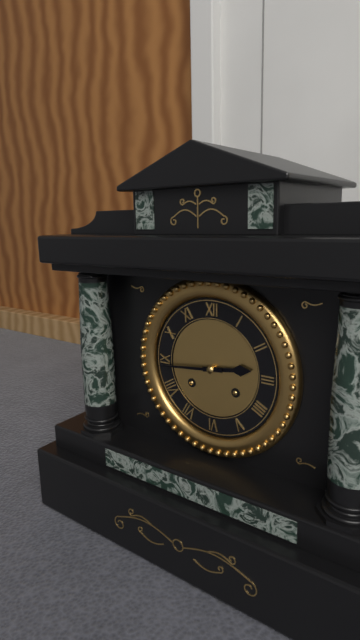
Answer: {"hour": 2, "minute": 44}
